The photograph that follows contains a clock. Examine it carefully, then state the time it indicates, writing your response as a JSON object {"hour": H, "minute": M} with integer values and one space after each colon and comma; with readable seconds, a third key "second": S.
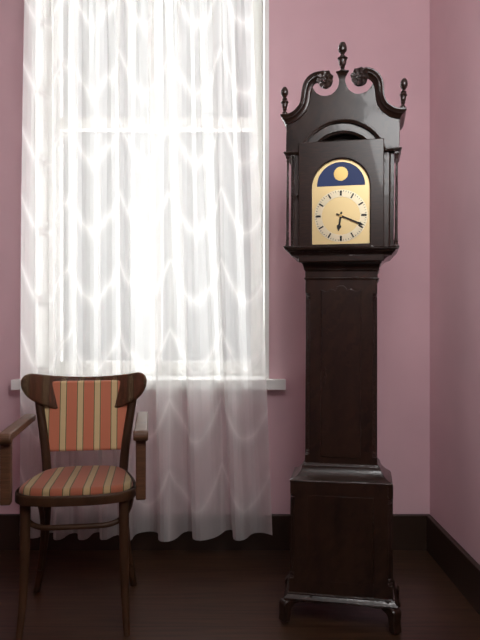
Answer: {"hour": 6, "minute": 19}
